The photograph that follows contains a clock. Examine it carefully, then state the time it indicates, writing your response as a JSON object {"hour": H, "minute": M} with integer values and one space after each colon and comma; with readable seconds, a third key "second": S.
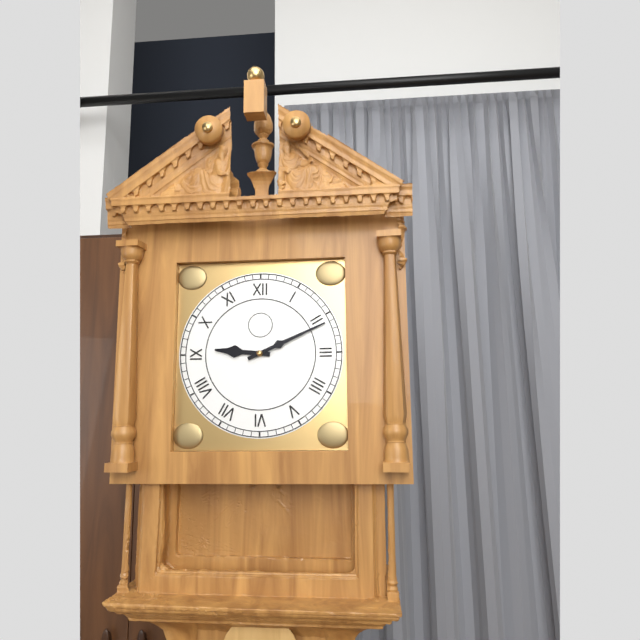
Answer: {"hour": 9, "minute": 11}
